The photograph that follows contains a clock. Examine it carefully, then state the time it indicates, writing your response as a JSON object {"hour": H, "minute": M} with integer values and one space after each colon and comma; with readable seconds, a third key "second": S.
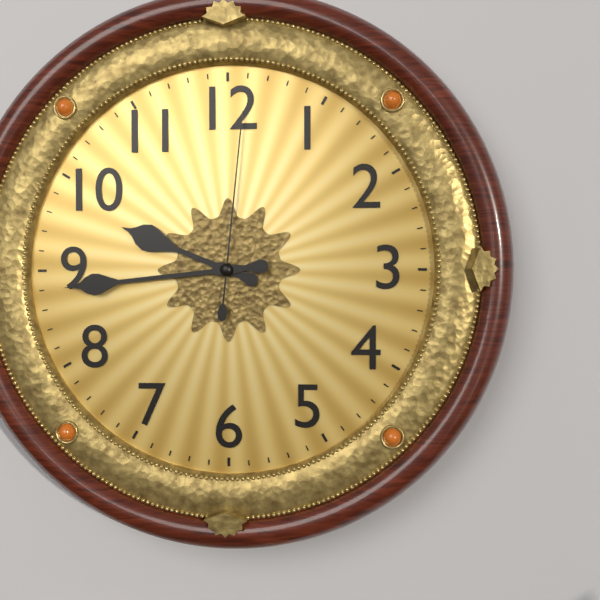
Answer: {"hour": 9, "minute": 44, "second": 1}
